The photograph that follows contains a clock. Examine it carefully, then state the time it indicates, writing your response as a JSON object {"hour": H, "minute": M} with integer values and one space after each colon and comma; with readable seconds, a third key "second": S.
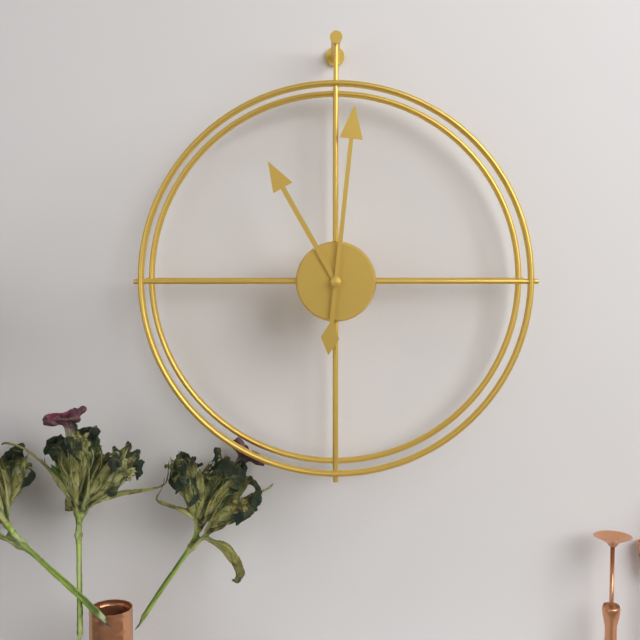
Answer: {"hour": 11, "minute": 1}
